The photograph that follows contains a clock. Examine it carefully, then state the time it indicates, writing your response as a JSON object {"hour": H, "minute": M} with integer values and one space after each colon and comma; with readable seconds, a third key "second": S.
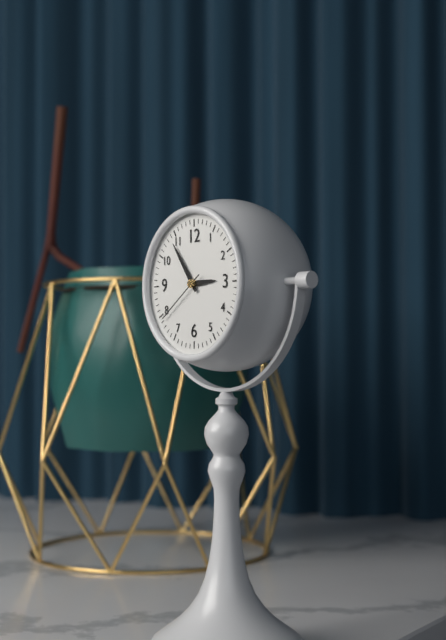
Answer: {"hour": 2, "minute": 54, "second": 39}
